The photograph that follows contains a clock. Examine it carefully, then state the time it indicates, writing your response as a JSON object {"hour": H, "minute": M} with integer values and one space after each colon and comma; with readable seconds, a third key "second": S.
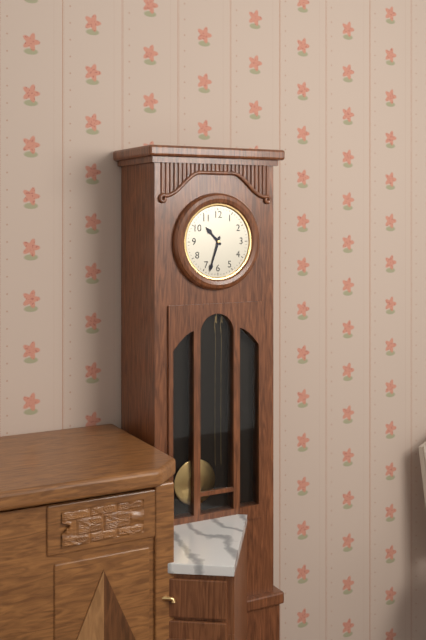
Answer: {"hour": 10, "minute": 33}
